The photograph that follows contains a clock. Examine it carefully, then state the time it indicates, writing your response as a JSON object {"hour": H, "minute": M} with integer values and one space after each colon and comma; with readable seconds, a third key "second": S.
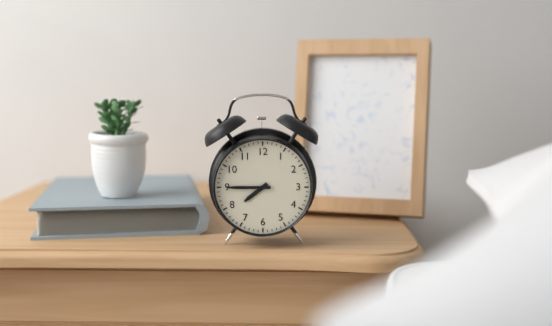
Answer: {"hour": 7, "minute": 45}
